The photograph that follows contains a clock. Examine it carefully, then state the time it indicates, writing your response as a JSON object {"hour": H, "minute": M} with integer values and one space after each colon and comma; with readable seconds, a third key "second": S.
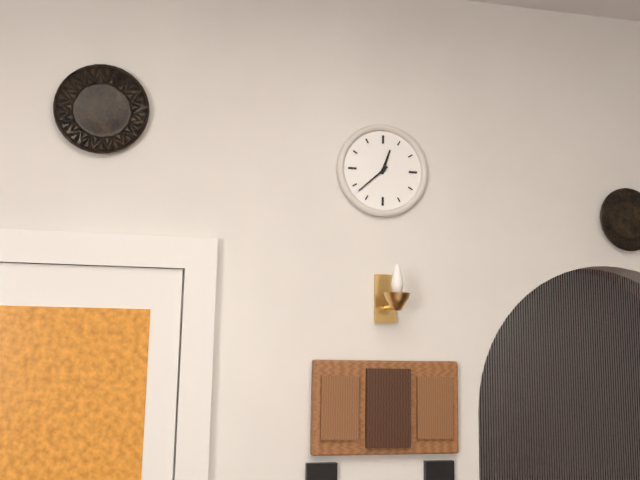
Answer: {"hour": 12, "minute": 38}
